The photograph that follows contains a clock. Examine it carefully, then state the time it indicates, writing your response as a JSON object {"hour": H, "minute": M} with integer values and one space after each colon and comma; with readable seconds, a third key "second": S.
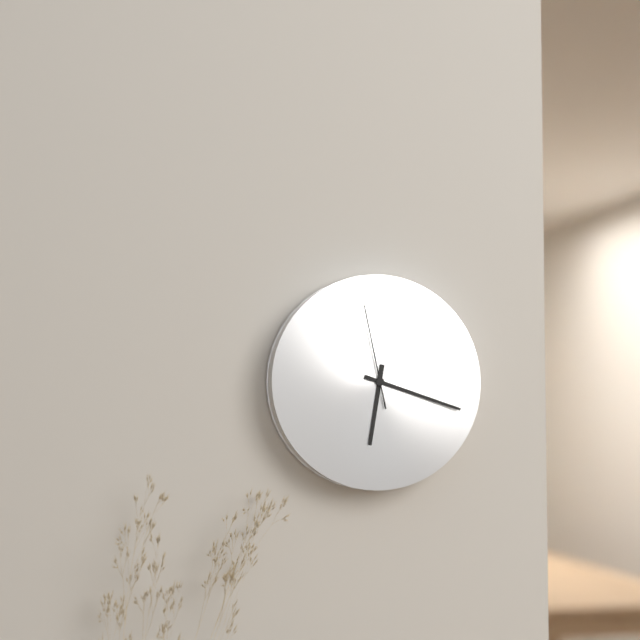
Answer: {"hour": 6, "minute": 18, "second": 58}
